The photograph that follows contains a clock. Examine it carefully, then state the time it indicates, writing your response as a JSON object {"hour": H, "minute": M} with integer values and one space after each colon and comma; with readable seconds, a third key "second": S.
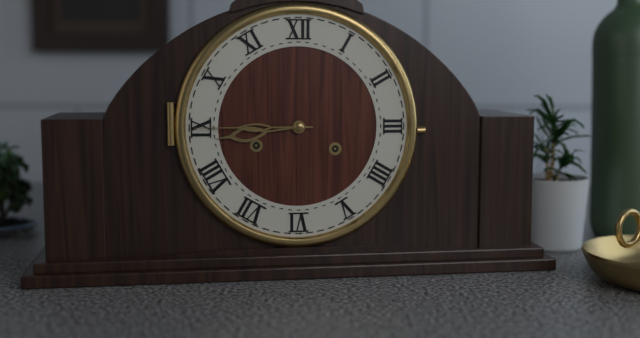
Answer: {"hour": 8, "minute": 45}
